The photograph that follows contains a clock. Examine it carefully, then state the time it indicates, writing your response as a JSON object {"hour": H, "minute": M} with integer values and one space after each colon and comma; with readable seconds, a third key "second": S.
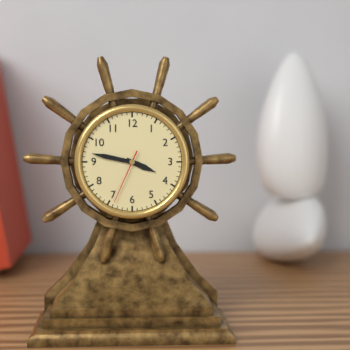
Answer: {"hour": 3, "minute": 47, "second": 34}
